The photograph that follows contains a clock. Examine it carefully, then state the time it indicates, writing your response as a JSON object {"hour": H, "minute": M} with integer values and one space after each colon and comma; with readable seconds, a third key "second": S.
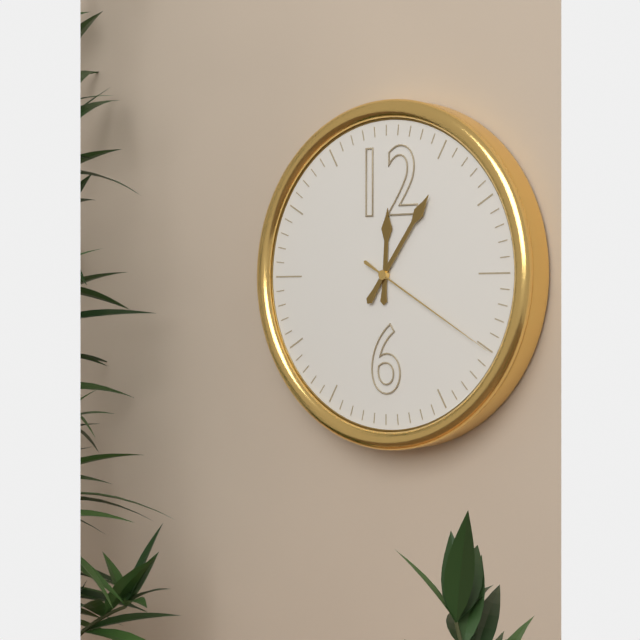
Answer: {"hour": 12, "minute": 6, "second": 20}
